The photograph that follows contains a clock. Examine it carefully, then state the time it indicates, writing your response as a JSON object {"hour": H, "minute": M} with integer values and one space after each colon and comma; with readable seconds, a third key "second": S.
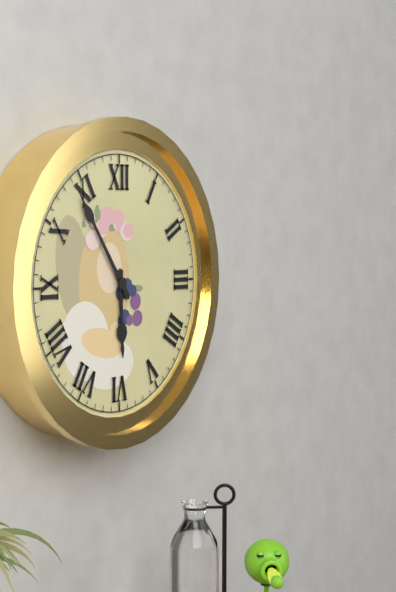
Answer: {"hour": 5, "minute": 54}
